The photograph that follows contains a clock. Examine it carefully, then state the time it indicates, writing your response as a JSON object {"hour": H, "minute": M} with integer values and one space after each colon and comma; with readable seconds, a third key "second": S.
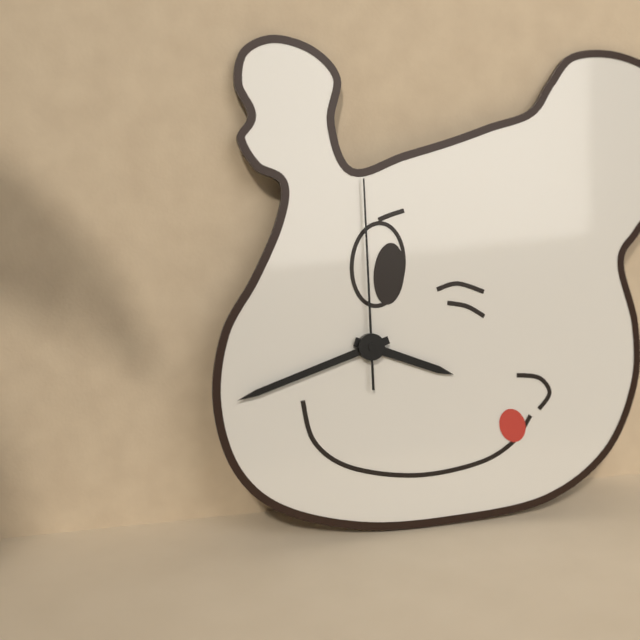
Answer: {"hour": 3, "minute": 42, "second": 0}
